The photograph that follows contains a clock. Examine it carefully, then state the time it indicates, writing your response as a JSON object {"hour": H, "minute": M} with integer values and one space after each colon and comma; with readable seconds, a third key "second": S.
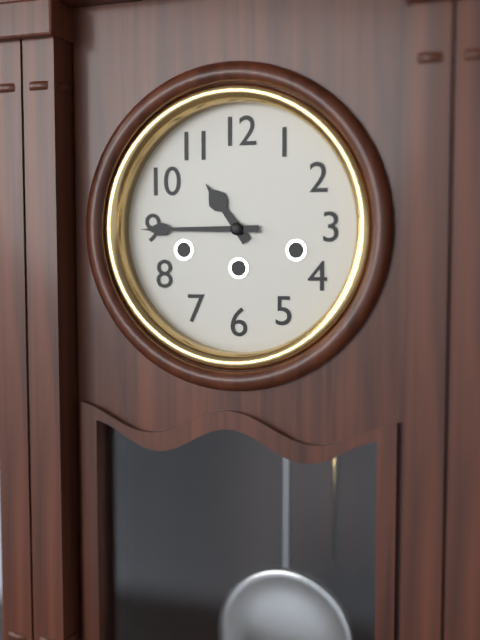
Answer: {"hour": 10, "minute": 45}
